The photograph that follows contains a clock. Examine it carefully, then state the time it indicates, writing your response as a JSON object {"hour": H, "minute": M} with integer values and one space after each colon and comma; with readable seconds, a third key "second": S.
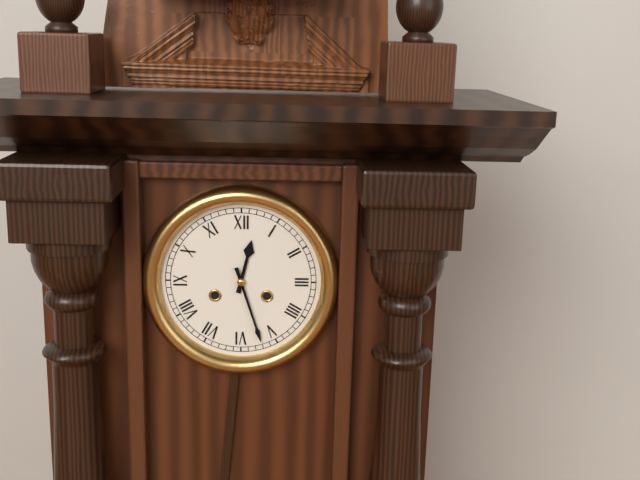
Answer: {"hour": 12, "minute": 27}
